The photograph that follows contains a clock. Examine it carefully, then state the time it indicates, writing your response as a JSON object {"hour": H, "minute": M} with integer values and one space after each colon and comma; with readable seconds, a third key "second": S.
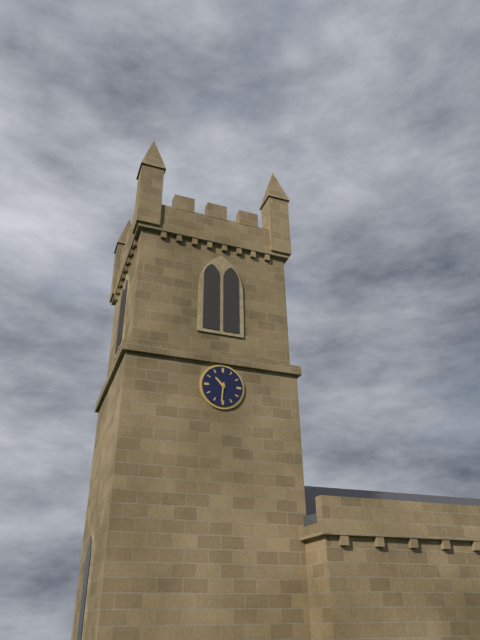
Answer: {"hour": 10, "minute": 31}
